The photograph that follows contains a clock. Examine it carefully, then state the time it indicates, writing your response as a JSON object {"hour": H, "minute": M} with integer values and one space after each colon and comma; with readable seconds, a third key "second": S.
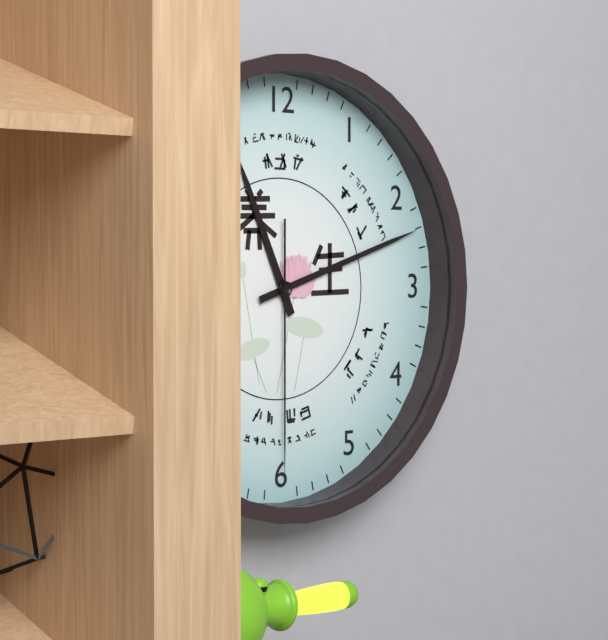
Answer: {"hour": 11, "minute": 12, "second": 30}
